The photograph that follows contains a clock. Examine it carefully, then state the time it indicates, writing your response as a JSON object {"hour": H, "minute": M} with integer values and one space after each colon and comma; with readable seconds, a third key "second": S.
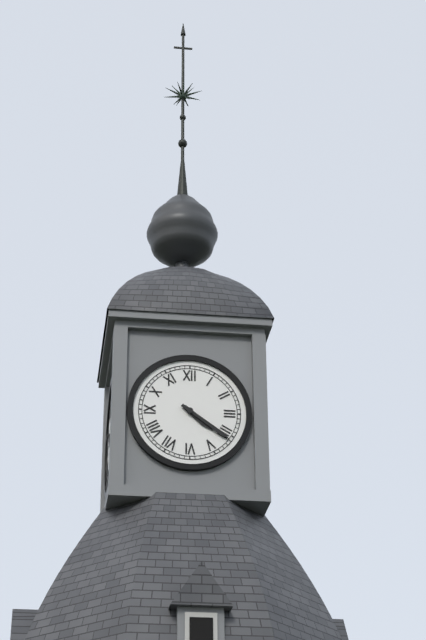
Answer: {"hour": 4, "minute": 21}
